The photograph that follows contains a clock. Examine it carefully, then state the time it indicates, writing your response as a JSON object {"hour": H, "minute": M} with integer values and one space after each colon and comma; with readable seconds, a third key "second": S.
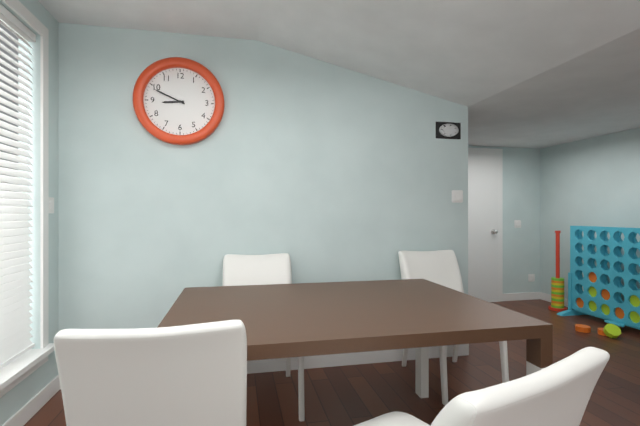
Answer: {"hour": 8, "minute": 49}
